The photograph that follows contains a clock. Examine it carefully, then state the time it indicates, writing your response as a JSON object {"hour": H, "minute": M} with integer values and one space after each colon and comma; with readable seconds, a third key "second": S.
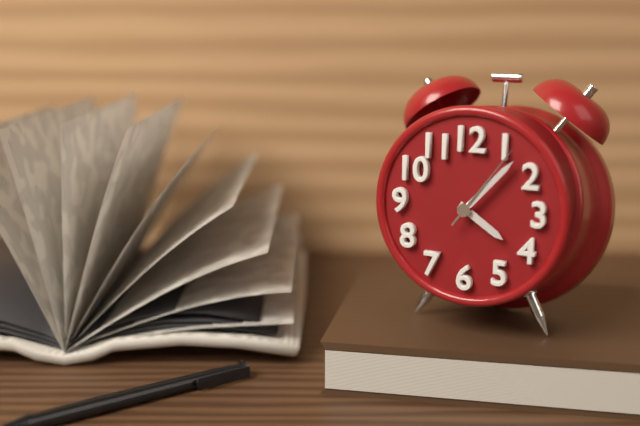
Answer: {"hour": 4, "minute": 7, "second": 6}
